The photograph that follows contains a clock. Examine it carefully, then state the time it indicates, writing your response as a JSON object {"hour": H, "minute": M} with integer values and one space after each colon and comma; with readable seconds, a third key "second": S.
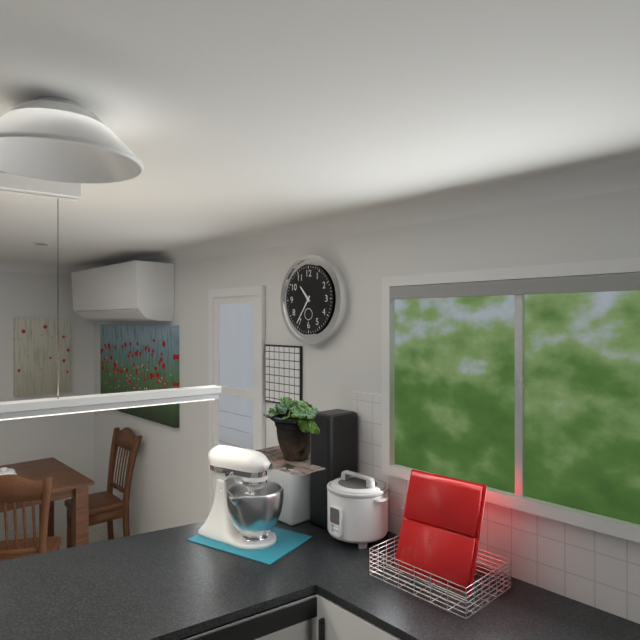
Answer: {"hour": 10, "minute": 36}
